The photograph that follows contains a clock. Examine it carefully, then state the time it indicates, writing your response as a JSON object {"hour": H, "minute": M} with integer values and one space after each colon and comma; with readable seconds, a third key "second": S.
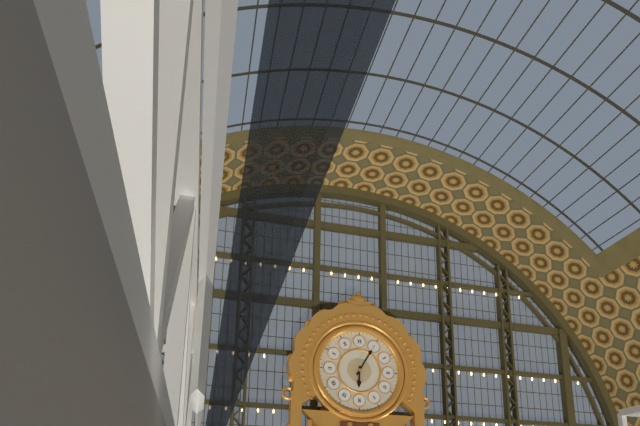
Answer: {"hour": 6, "minute": 5}
